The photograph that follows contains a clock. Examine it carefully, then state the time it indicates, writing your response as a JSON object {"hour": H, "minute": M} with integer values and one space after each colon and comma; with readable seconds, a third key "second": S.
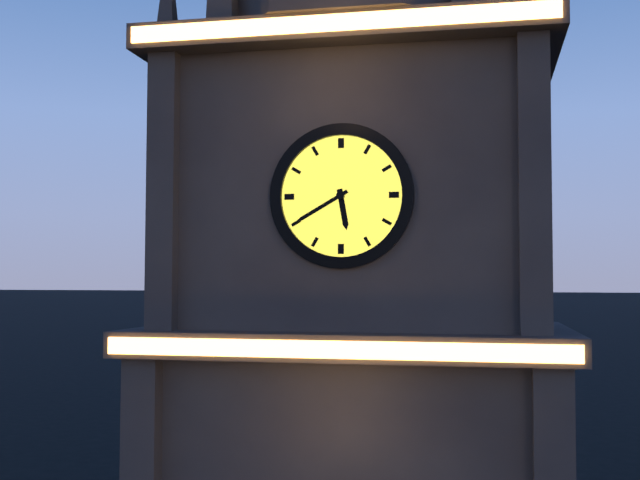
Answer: {"hour": 5, "minute": 40}
